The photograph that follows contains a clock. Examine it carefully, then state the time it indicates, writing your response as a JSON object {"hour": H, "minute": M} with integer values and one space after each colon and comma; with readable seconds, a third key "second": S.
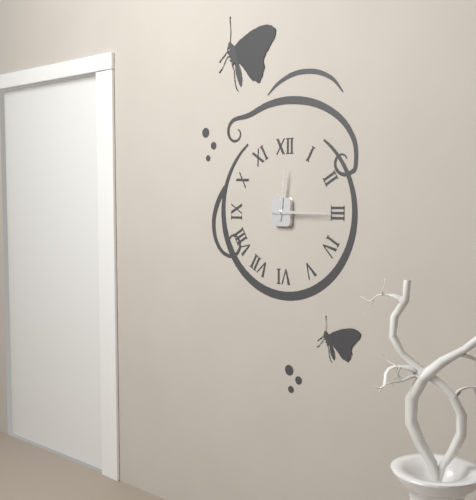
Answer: {"hour": 12, "minute": 15}
